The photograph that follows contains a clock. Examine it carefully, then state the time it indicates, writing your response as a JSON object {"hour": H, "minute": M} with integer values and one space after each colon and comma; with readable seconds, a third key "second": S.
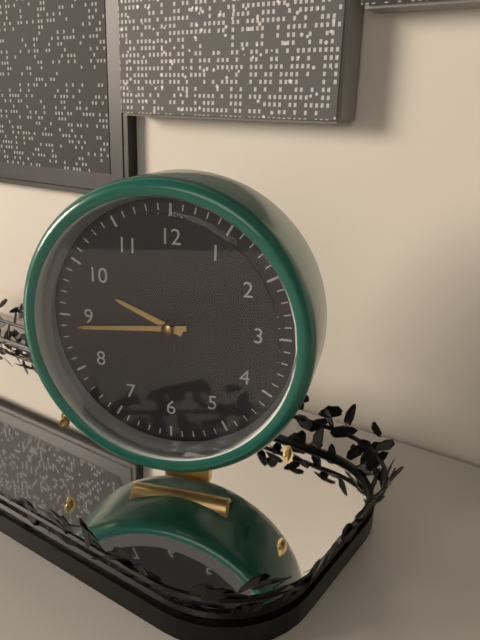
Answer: {"hour": 9, "minute": 44, "second": 39}
